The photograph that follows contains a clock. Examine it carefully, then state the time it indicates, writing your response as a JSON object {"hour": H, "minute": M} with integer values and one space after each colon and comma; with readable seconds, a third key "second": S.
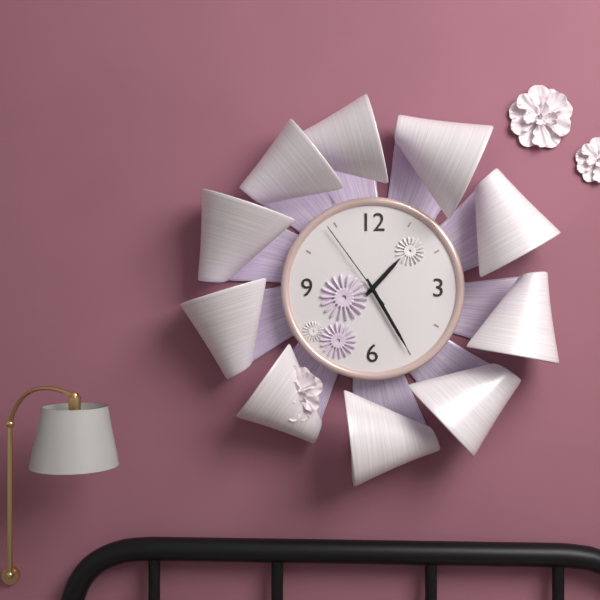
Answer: {"hour": 1, "minute": 25, "second": 54}
